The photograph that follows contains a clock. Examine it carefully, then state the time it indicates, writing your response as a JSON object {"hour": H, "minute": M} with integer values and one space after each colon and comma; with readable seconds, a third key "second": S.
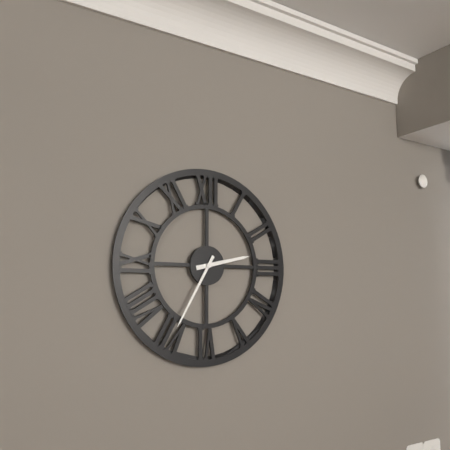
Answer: {"hour": 2, "minute": 35}
